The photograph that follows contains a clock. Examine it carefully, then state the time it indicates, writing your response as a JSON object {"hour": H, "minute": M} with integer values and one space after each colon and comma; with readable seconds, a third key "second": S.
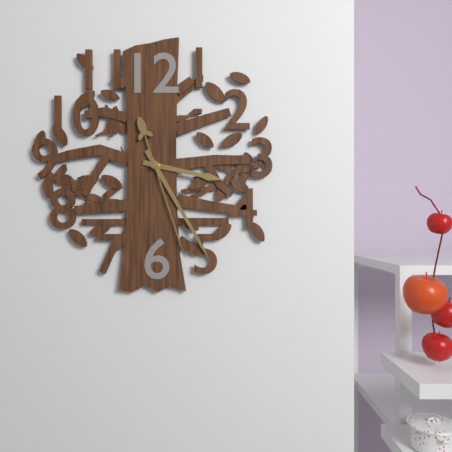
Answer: {"hour": 3, "minute": 25, "second": 27}
